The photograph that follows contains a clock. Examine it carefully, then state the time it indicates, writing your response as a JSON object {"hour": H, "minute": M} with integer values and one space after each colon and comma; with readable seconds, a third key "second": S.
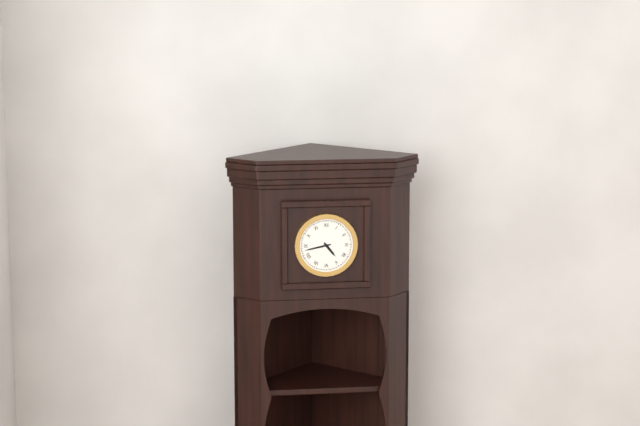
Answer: {"hour": 4, "minute": 43}
